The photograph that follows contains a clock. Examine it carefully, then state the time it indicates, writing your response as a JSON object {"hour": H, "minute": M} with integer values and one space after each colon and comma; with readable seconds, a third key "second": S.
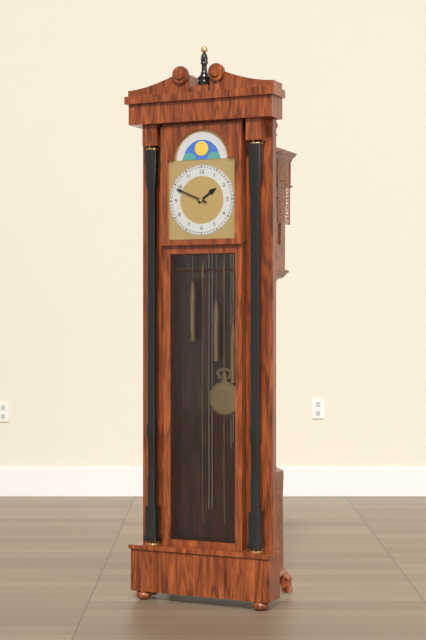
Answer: {"hour": 1, "minute": 49}
